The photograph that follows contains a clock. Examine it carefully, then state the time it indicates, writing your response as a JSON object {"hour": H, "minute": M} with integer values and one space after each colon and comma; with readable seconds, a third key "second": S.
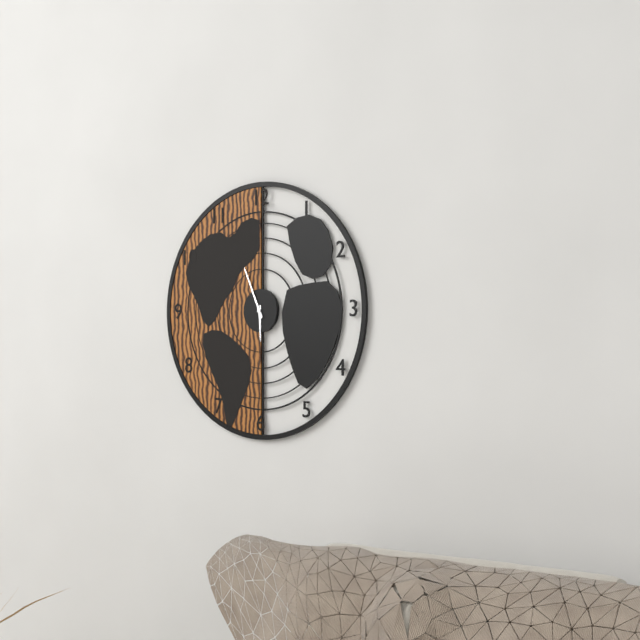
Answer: {"hour": 5, "minute": 56}
